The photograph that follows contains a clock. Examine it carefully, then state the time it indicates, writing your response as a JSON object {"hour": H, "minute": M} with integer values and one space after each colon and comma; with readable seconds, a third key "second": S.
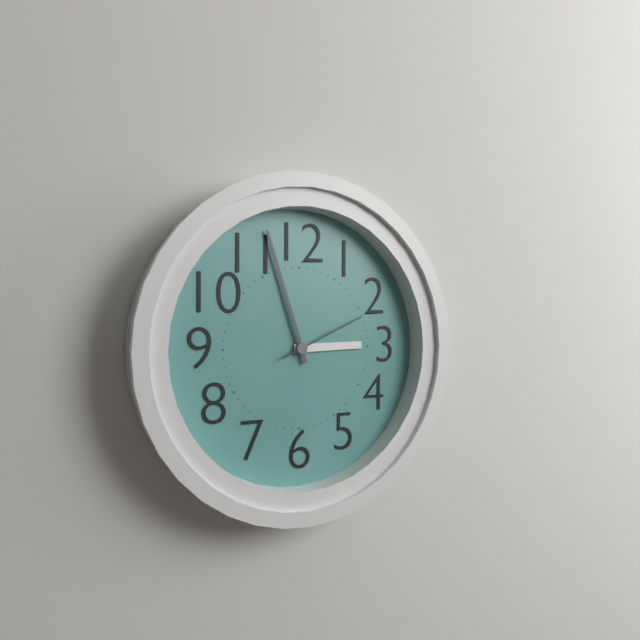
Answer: {"hour": 2, "minute": 57, "second": 11}
